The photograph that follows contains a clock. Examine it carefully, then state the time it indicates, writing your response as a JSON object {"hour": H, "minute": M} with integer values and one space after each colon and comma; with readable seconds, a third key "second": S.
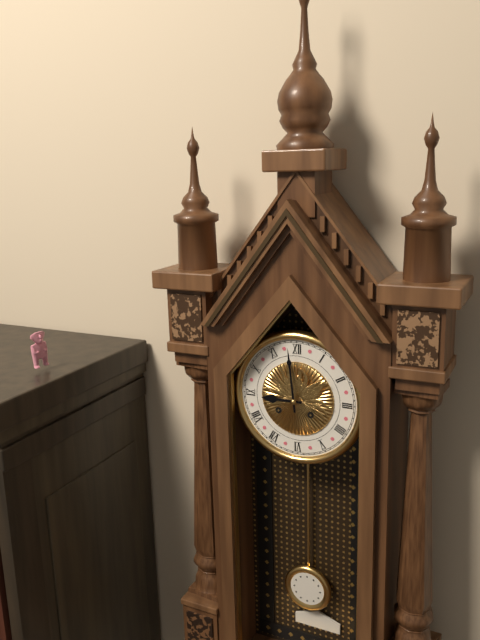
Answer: {"hour": 8, "minute": 59}
